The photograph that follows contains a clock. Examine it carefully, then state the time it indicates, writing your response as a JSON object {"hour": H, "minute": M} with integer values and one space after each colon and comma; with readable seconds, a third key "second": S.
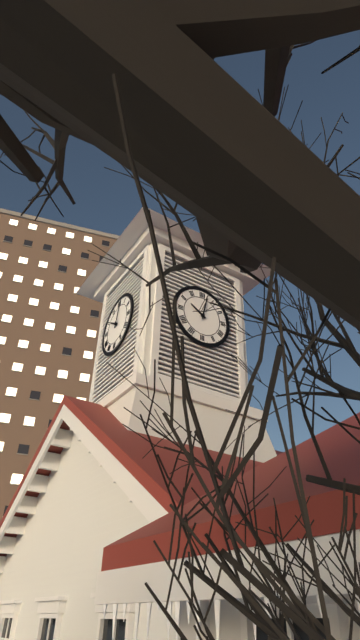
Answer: {"hour": 10, "minute": 2}
